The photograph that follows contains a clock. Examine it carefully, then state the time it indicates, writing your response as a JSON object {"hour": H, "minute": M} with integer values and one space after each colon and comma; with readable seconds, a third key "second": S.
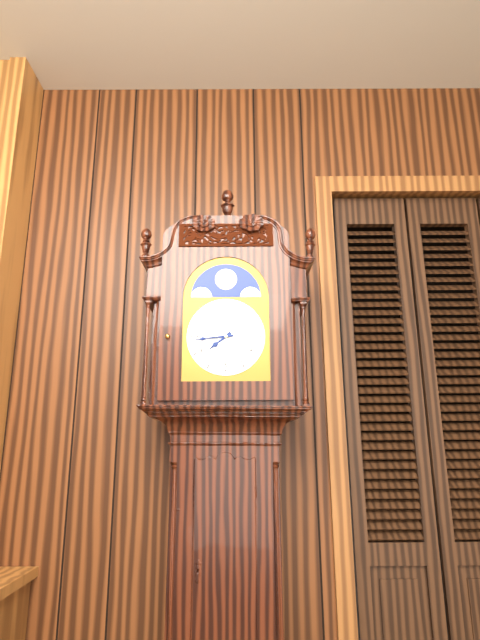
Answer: {"hour": 7, "minute": 44}
